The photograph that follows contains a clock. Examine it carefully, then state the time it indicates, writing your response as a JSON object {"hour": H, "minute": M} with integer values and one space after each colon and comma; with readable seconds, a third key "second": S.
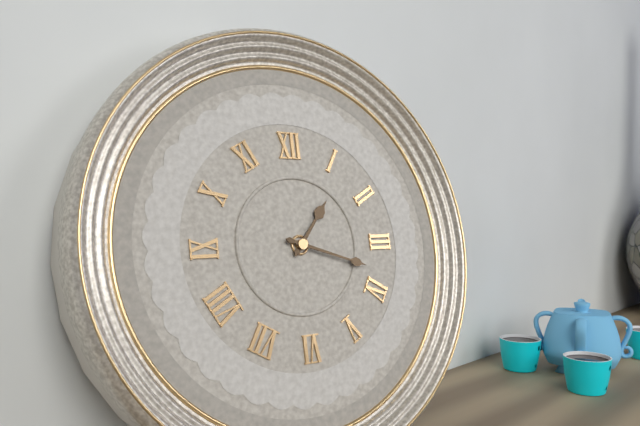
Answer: {"hour": 1, "minute": 18}
